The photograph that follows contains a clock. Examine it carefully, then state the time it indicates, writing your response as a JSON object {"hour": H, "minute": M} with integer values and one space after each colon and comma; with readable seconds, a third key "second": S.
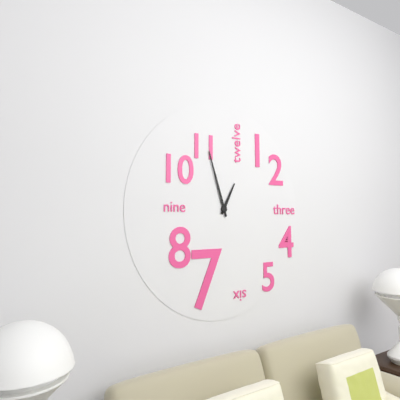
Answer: {"hour": 12, "minute": 57}
